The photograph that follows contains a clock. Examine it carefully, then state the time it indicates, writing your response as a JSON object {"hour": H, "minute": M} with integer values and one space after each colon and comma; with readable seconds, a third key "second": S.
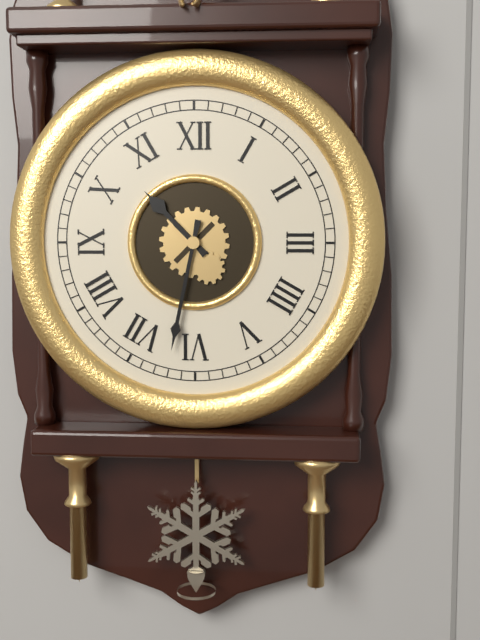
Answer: {"hour": 10, "minute": 32}
